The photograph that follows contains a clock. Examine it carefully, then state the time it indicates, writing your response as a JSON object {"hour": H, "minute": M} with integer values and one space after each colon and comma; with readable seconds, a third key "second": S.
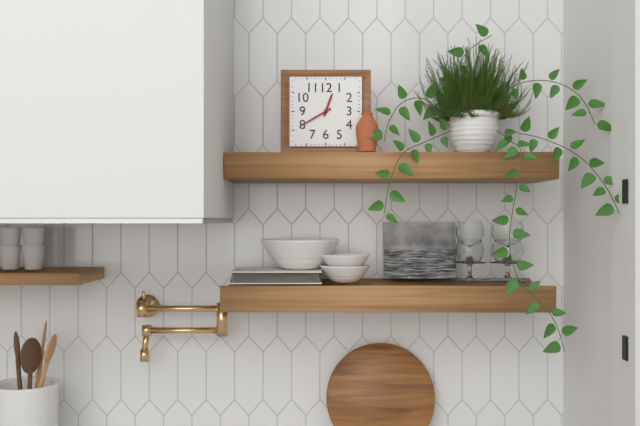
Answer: {"hour": 12, "minute": 40}
